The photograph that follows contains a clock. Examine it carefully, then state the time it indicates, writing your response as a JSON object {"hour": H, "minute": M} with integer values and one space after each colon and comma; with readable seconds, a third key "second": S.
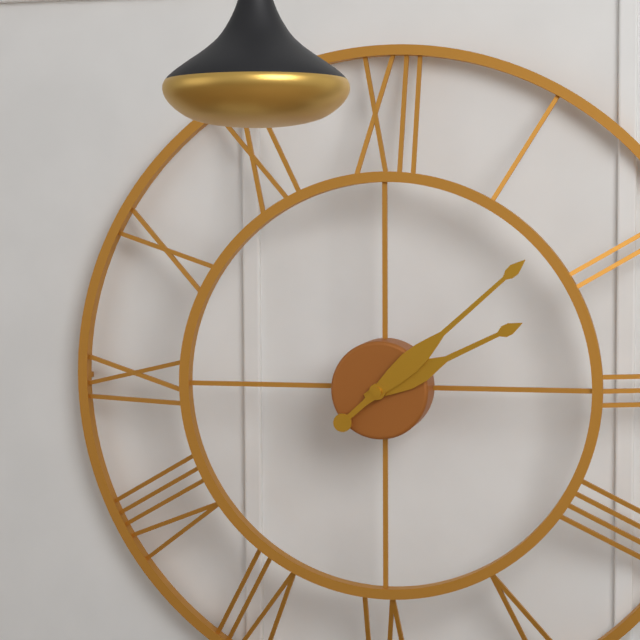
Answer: {"hour": 2, "minute": 8}
